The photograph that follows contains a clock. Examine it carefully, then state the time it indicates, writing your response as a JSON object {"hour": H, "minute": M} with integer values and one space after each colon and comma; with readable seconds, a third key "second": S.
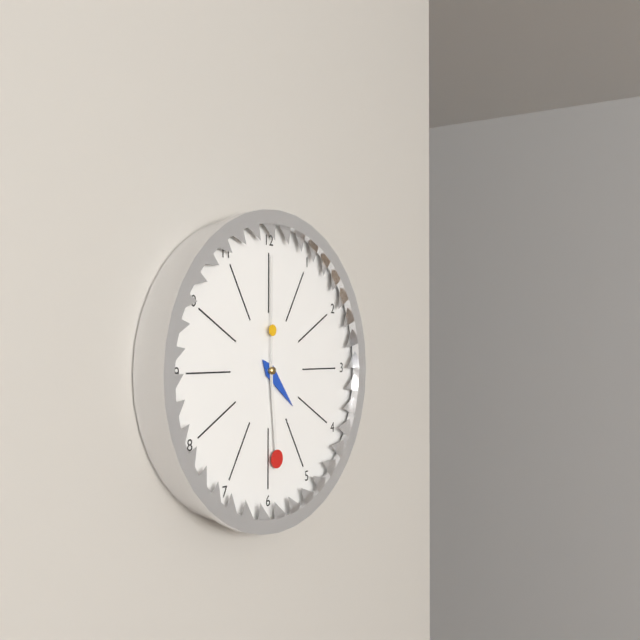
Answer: {"hour": 4, "minute": 29, "second": 0}
